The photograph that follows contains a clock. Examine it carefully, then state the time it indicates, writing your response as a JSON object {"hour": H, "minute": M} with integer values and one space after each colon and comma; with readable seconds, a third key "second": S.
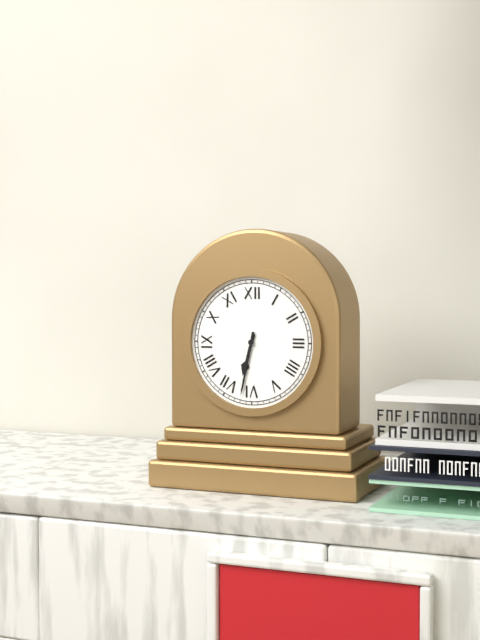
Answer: {"hour": 6, "minute": 32}
